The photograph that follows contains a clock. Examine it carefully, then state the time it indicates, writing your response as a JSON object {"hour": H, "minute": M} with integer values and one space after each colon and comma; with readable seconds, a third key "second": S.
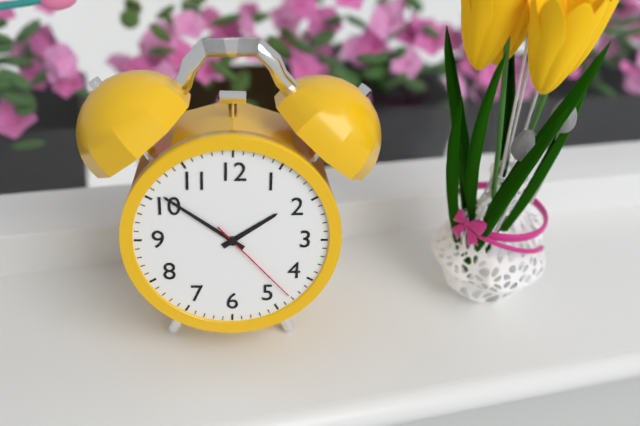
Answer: {"hour": 1, "minute": 51, "second": 23}
